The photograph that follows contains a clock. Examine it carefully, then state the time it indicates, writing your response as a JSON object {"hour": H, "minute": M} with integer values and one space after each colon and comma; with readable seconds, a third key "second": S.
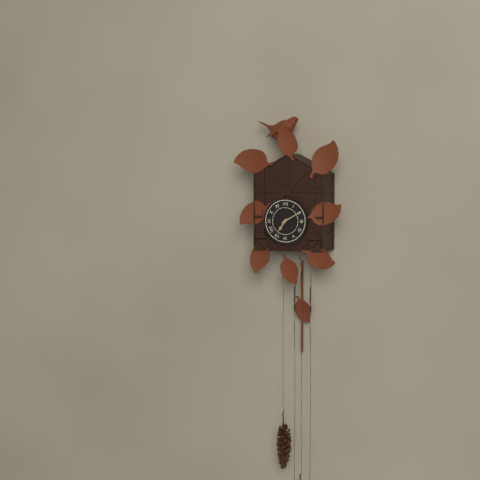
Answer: {"hour": 7, "minute": 10}
